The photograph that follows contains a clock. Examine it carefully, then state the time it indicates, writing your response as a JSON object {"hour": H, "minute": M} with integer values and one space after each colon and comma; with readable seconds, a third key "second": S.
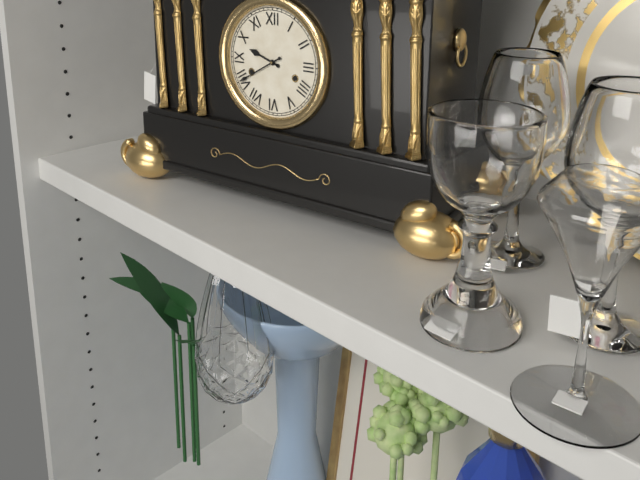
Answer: {"hour": 9, "minute": 40}
